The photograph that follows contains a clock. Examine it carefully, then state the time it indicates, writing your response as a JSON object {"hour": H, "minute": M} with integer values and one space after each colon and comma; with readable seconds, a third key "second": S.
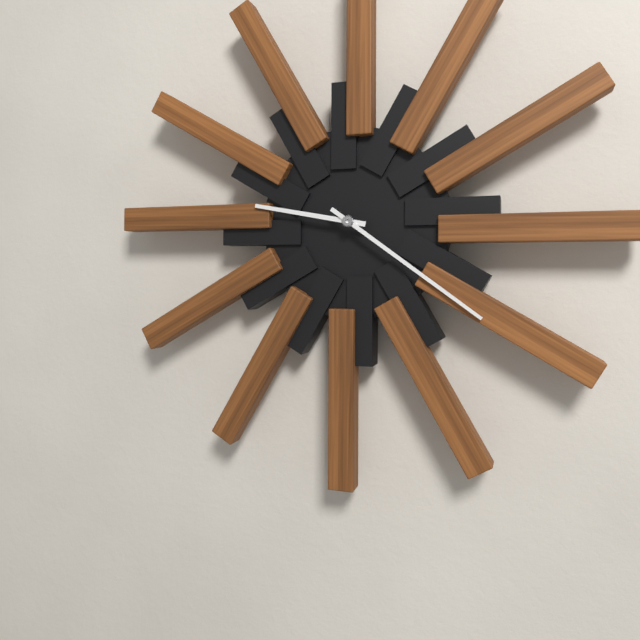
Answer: {"hour": 9, "minute": 21}
